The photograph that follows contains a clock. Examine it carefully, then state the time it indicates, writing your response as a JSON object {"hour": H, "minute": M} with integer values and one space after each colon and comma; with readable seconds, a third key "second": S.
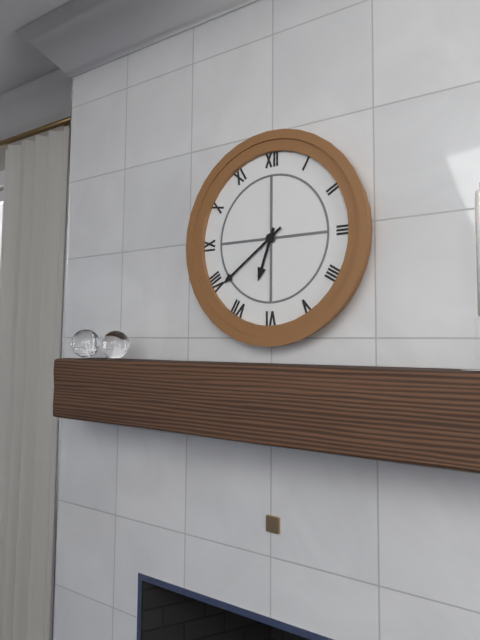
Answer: {"hour": 6, "minute": 39}
